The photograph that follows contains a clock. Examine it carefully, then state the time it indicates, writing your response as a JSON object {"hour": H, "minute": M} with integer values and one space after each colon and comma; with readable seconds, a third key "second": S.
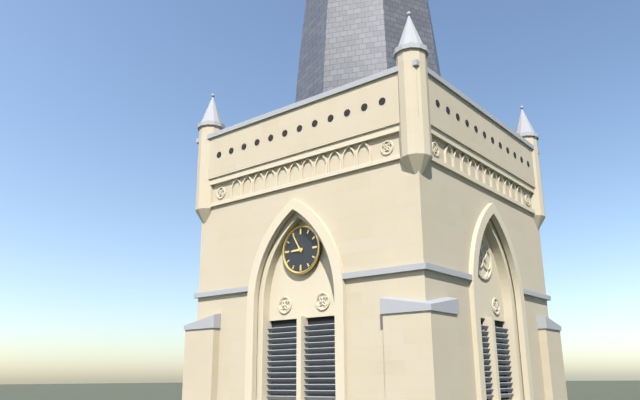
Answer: {"hour": 8, "minute": 55}
